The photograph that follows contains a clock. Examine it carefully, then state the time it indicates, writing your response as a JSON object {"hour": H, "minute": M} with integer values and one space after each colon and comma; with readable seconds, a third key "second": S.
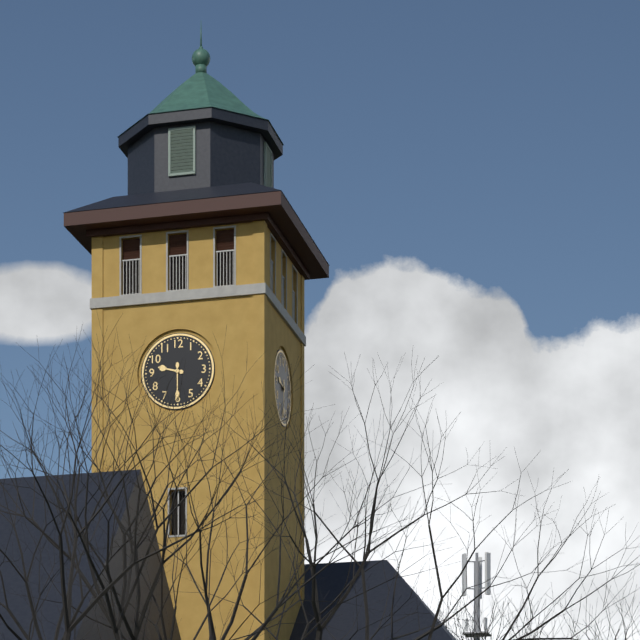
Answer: {"hour": 9, "minute": 30}
